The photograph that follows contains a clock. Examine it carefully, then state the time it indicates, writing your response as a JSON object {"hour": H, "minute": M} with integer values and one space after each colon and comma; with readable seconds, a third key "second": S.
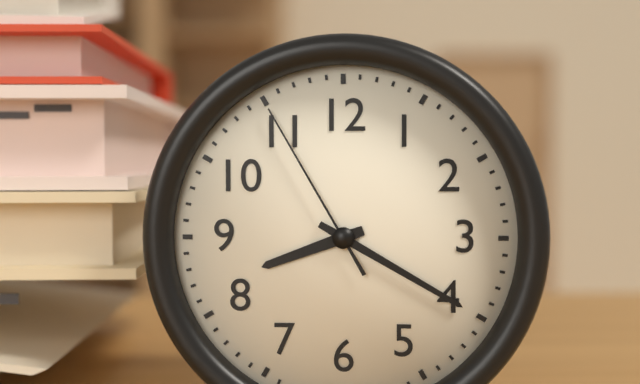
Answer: {"hour": 8, "minute": 20, "second": 55}
